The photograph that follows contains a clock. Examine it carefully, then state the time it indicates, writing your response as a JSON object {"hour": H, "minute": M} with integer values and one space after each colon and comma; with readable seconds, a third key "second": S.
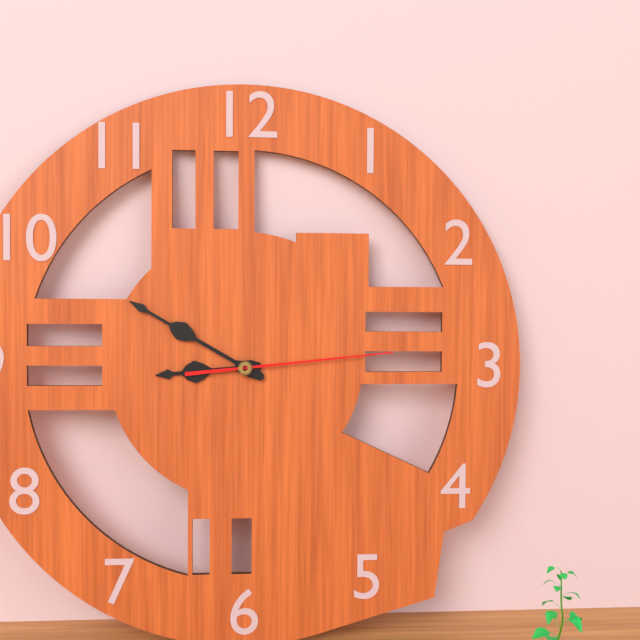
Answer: {"hour": 8, "minute": 50, "second": 14}
